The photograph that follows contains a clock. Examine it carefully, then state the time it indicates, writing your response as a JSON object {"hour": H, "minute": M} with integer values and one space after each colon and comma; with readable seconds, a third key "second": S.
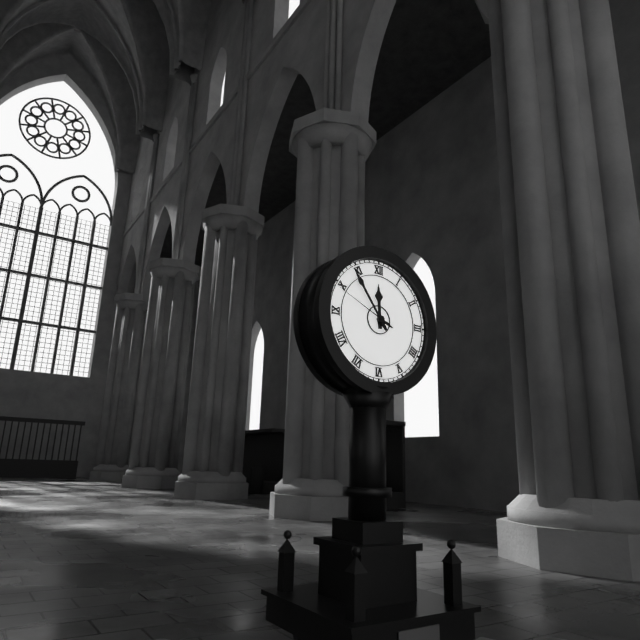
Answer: {"hour": 11, "minute": 54, "second": 49}
